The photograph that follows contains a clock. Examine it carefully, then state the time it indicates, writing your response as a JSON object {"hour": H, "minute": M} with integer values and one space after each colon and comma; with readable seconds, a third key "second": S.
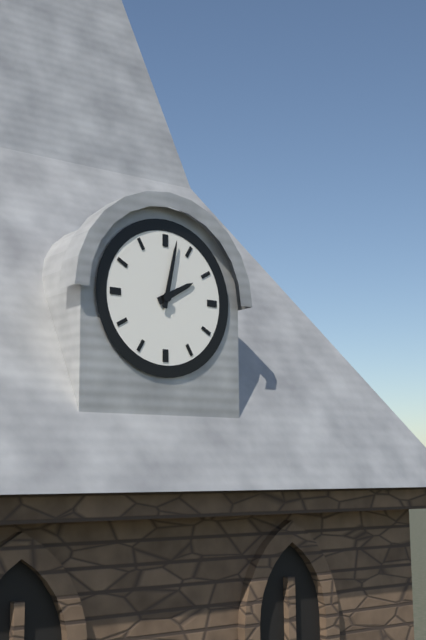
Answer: {"hour": 2, "minute": 2}
